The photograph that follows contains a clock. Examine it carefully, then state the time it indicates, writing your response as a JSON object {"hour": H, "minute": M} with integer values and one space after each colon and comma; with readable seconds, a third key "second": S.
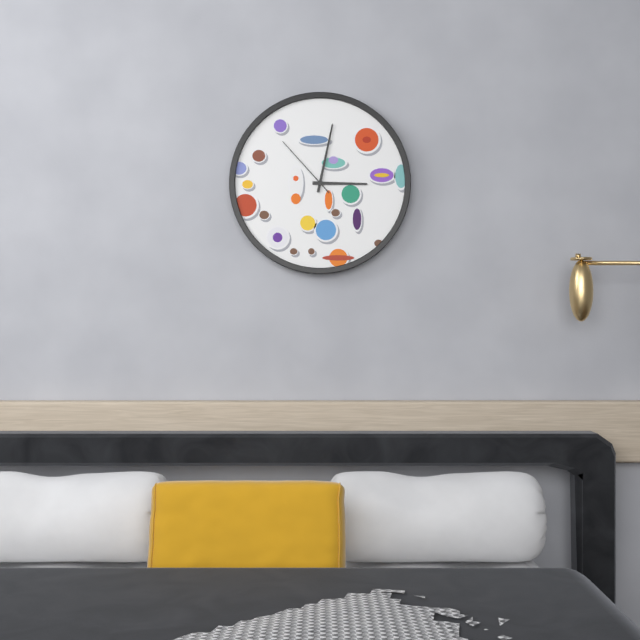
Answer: {"hour": 3, "minute": 2, "second": 53}
